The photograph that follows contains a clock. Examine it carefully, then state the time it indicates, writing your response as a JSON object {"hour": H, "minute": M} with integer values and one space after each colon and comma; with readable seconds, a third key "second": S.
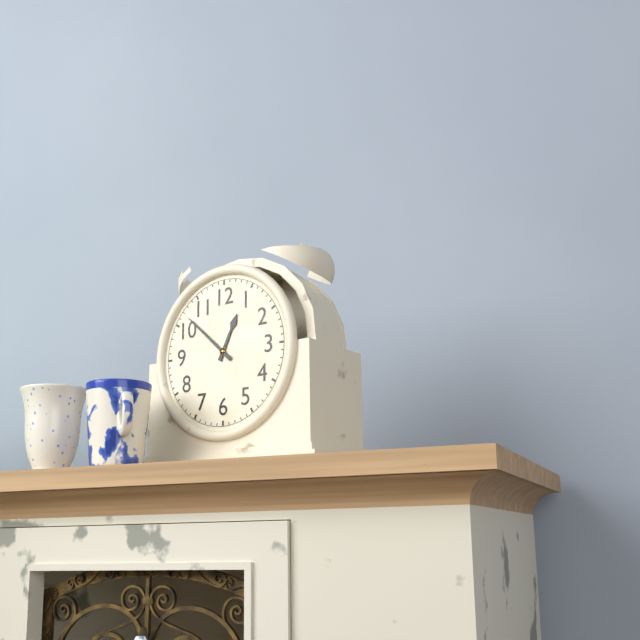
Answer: {"hour": 12, "minute": 52}
